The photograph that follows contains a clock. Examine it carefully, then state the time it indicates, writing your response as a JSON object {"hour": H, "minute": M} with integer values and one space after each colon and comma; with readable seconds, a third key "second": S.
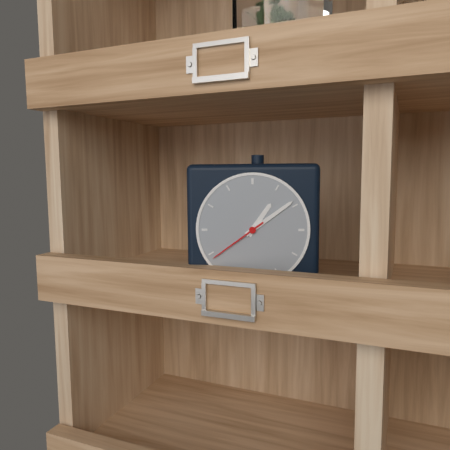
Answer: {"hour": 1, "minute": 9, "second": 39}
